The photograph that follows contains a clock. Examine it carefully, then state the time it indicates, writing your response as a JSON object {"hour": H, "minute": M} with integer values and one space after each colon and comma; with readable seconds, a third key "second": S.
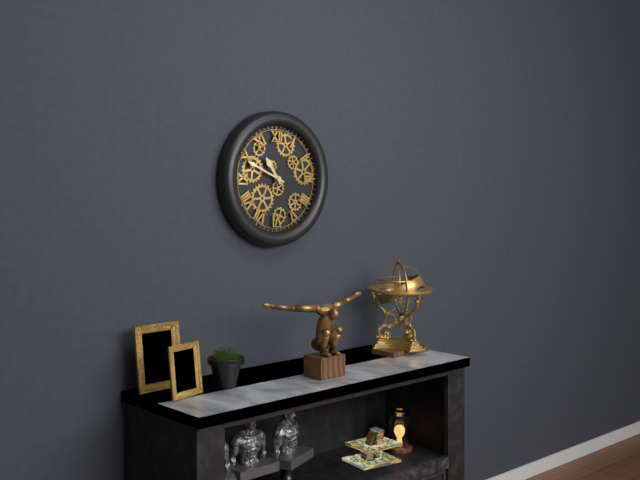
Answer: {"hour": 10, "minute": 49}
